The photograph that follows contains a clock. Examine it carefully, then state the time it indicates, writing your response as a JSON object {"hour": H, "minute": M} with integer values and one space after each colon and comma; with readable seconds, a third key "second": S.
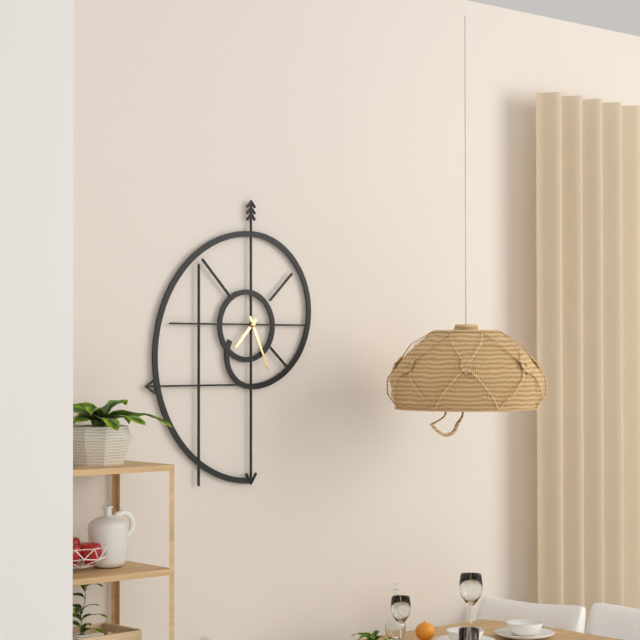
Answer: {"hour": 7, "minute": 26}
